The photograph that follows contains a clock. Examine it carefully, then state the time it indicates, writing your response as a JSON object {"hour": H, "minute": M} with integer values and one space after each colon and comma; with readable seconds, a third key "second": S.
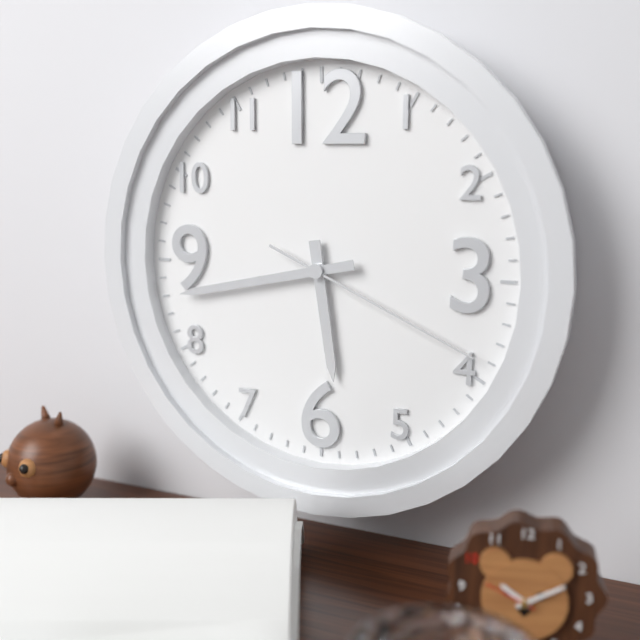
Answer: {"hour": 5, "minute": 43, "second": 19}
